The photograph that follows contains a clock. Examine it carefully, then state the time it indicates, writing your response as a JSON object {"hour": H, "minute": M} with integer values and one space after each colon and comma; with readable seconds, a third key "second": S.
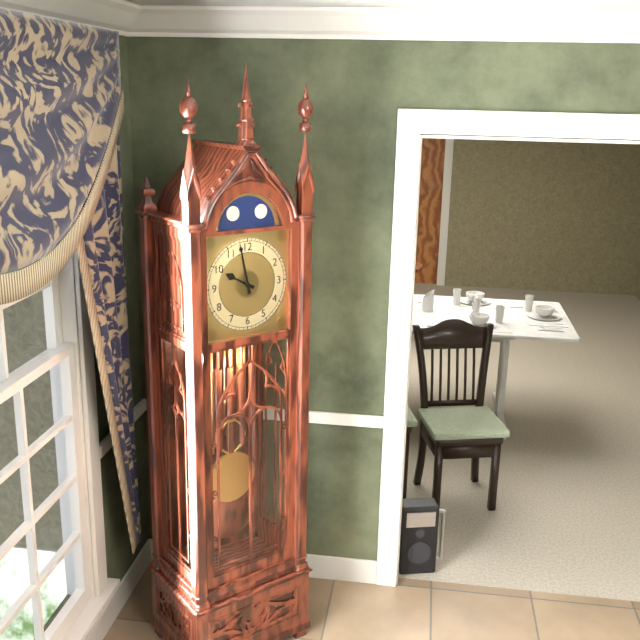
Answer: {"hour": 9, "minute": 58}
